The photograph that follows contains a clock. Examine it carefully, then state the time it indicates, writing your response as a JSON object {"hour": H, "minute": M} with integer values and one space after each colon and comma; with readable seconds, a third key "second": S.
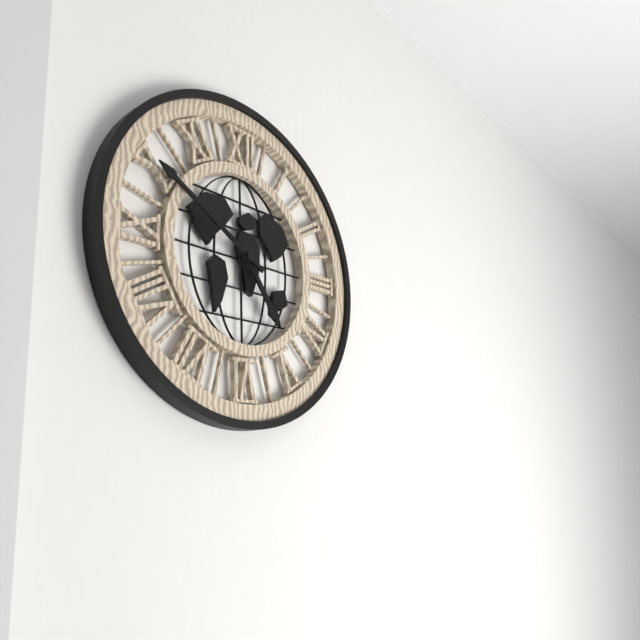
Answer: {"hour": 4, "minute": 50}
